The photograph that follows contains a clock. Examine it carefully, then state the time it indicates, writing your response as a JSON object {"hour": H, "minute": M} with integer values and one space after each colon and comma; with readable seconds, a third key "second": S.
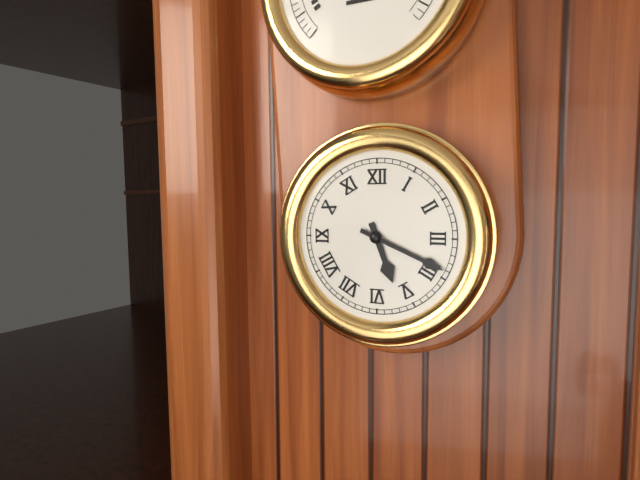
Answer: {"hour": 5, "minute": 19}
